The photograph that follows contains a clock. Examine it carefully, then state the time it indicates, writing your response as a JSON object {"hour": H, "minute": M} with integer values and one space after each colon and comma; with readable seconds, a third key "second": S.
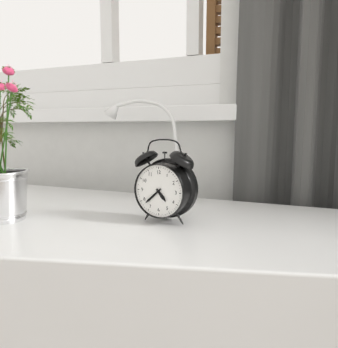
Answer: {"hour": 4, "minute": 38}
